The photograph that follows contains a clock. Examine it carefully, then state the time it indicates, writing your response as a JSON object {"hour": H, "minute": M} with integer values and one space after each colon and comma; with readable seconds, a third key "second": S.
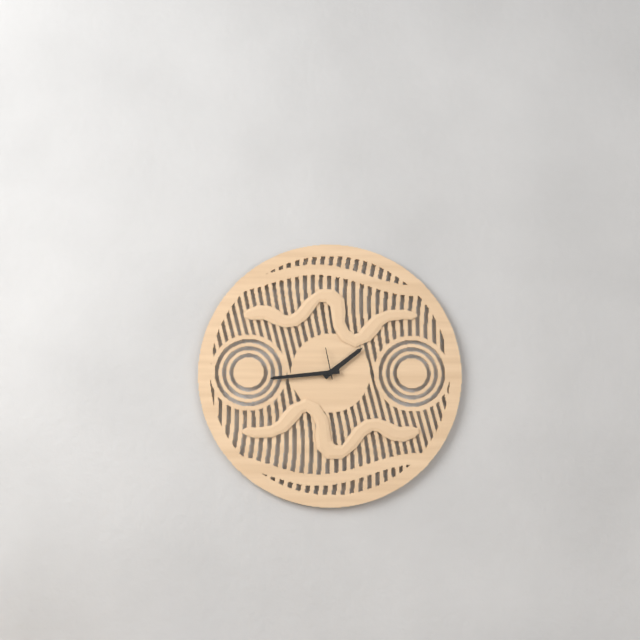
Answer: {"hour": 1, "minute": 44}
